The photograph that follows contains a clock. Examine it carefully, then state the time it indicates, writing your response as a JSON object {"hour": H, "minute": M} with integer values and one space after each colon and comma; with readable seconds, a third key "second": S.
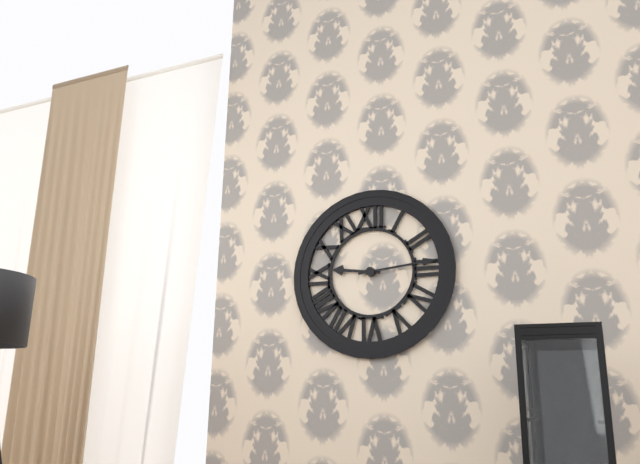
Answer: {"hour": 9, "minute": 14}
